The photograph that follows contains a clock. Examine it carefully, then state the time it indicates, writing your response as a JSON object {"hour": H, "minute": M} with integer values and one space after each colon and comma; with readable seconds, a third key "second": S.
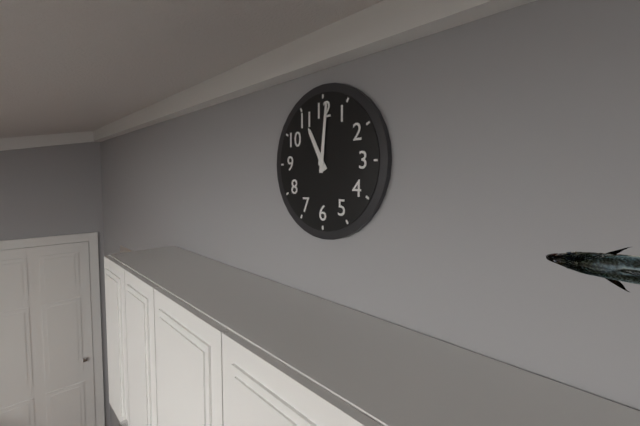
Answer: {"hour": 11, "minute": 1}
